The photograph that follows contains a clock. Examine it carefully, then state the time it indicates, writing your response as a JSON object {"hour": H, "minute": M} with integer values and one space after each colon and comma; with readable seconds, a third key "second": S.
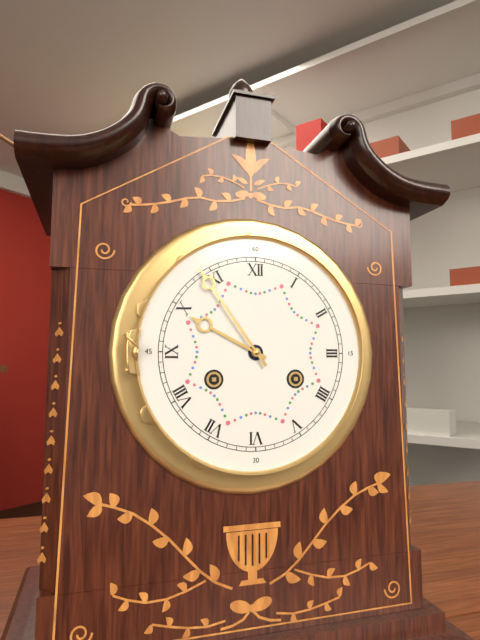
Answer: {"hour": 9, "minute": 54}
